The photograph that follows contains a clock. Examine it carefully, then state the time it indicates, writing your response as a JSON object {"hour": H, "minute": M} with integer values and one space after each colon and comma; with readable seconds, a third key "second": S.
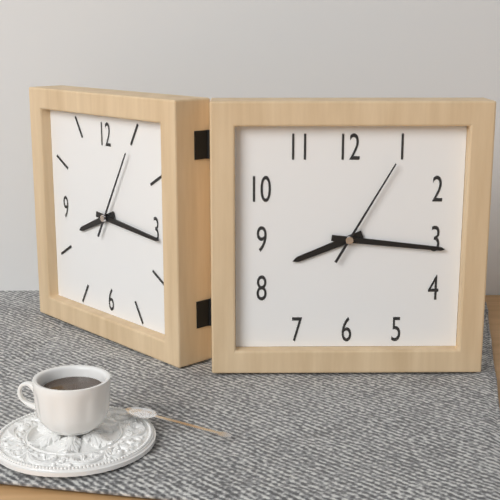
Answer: {"hour": 8, "minute": 16, "second": 5}
